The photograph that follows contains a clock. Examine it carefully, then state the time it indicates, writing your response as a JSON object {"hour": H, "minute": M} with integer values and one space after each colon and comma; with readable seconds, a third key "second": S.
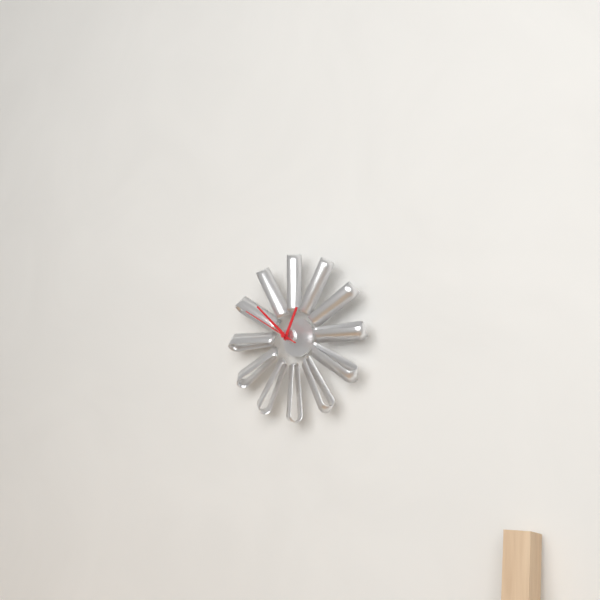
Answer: {"hour": 12, "minute": 52, "second": 50}
